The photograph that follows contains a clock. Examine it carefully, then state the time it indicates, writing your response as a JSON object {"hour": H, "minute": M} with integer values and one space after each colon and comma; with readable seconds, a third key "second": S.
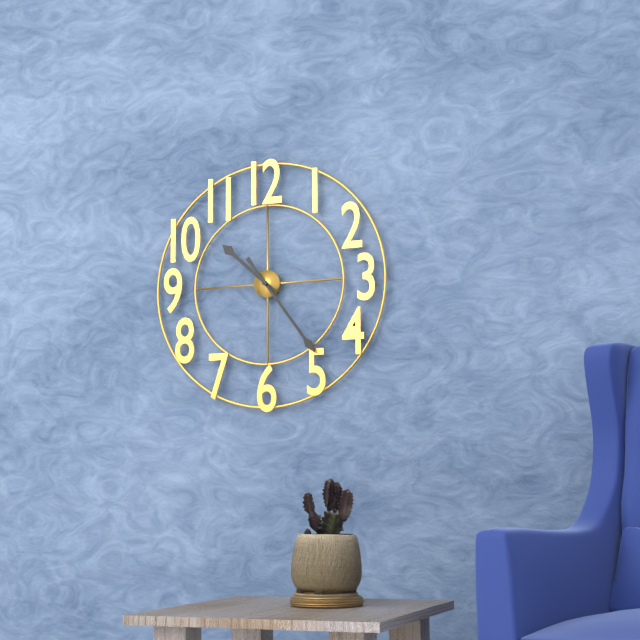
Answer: {"hour": 10, "minute": 24}
